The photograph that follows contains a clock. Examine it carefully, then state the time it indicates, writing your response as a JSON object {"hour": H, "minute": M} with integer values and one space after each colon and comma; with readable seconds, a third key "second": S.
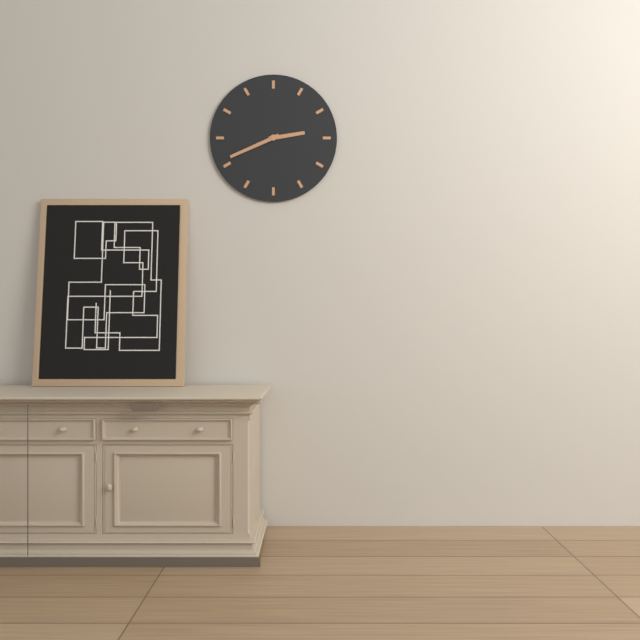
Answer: {"hour": 2, "minute": 41}
